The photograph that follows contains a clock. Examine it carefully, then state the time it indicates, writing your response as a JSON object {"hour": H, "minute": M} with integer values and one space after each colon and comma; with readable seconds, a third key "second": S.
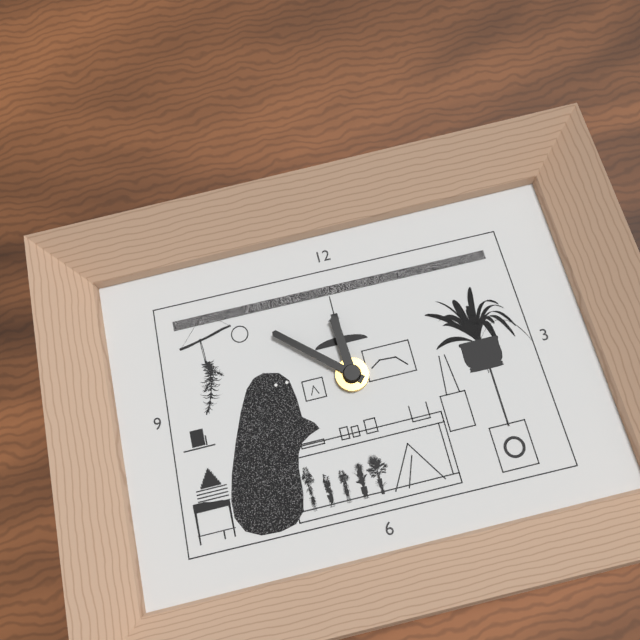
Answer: {"hour": 11, "minute": 52}
